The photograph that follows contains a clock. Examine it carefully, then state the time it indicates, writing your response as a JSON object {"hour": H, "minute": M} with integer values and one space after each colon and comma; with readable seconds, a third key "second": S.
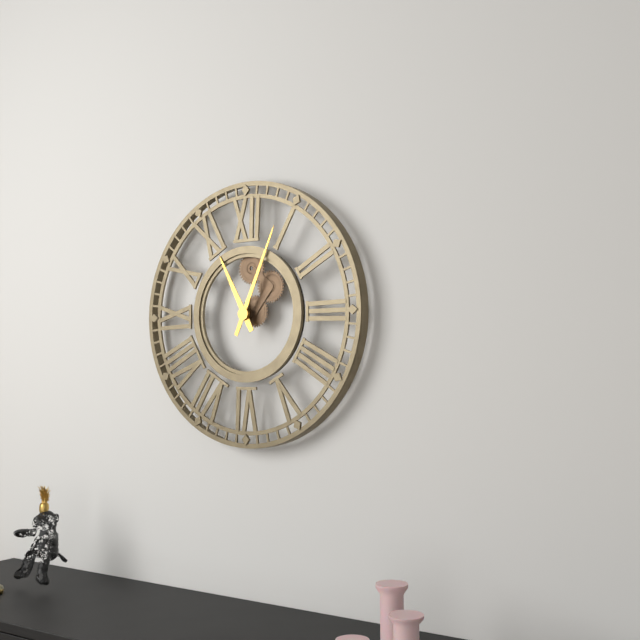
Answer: {"hour": 11, "minute": 4}
